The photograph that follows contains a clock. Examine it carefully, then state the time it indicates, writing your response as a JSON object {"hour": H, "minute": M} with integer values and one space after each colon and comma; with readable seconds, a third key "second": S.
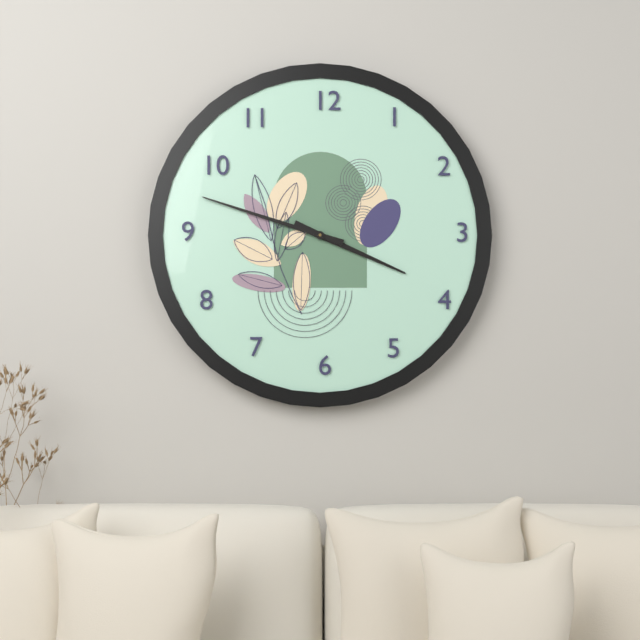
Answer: {"hour": 3, "minute": 48}
